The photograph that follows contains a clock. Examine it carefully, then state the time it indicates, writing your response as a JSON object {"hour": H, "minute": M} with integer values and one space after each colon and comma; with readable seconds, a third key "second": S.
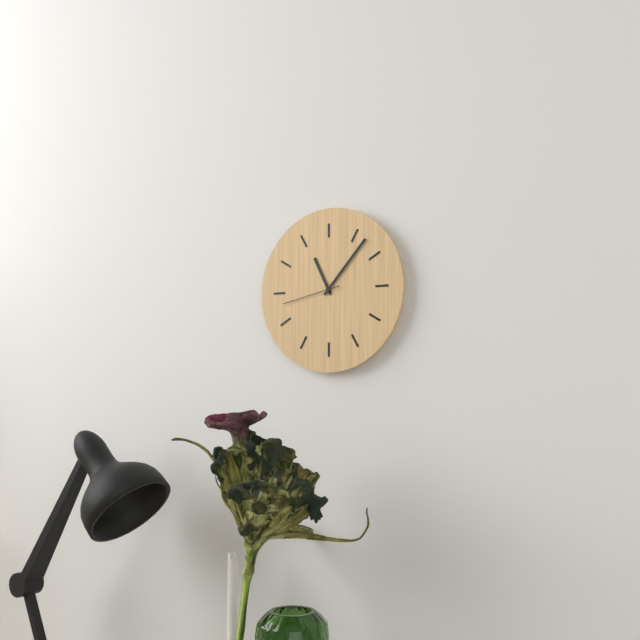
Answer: {"hour": 11, "minute": 7, "second": 43}
